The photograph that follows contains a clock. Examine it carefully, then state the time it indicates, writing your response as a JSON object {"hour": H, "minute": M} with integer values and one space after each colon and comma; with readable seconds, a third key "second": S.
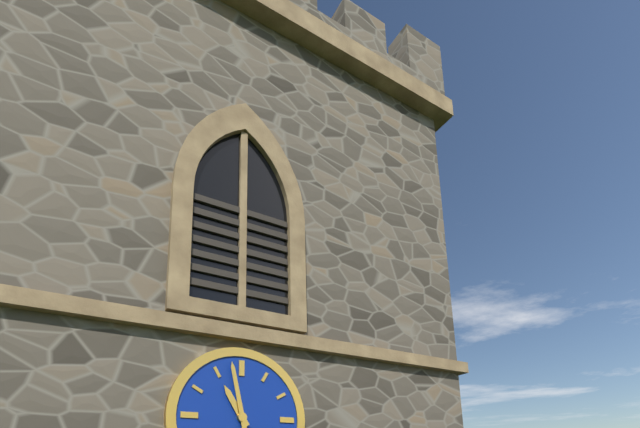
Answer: {"hour": 10, "minute": 58}
